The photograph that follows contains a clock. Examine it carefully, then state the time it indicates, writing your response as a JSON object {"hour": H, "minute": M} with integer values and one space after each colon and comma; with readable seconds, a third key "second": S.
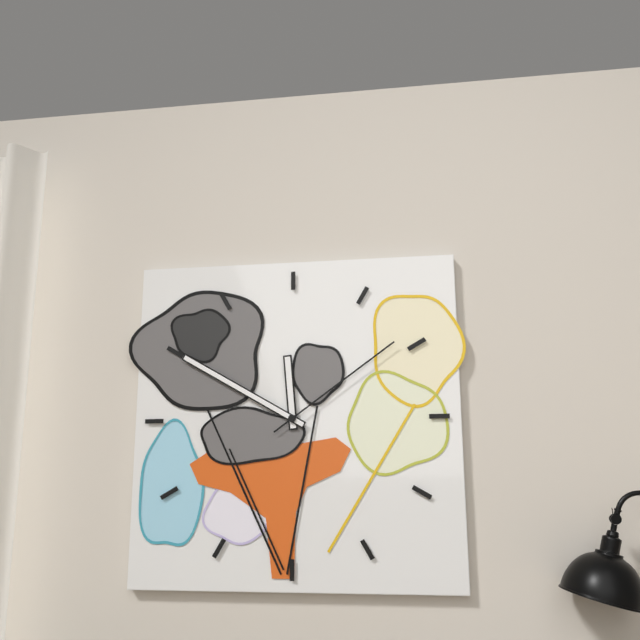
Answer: {"hour": 11, "minute": 50, "second": 9}
